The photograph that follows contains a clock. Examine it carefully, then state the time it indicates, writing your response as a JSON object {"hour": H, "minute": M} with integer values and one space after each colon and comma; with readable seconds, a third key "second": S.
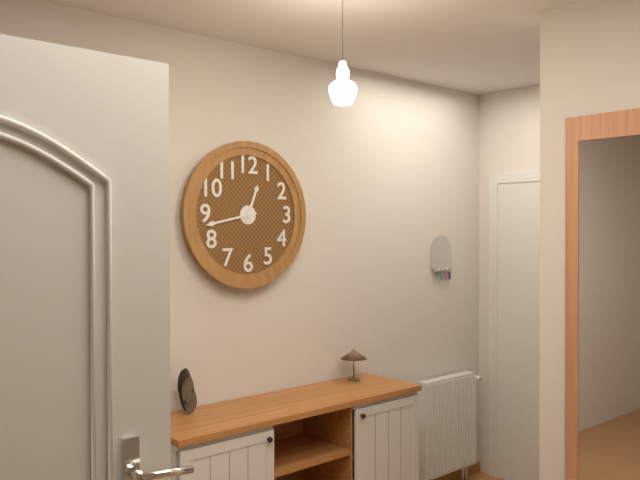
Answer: {"hour": 12, "minute": 43}
